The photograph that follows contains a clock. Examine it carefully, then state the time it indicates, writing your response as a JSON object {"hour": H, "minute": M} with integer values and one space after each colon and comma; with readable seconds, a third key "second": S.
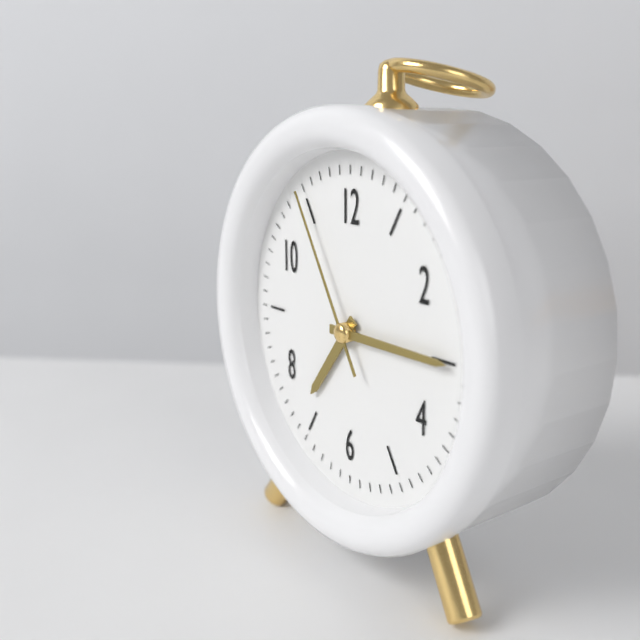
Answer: {"hour": 7, "minute": 15, "second": 55}
